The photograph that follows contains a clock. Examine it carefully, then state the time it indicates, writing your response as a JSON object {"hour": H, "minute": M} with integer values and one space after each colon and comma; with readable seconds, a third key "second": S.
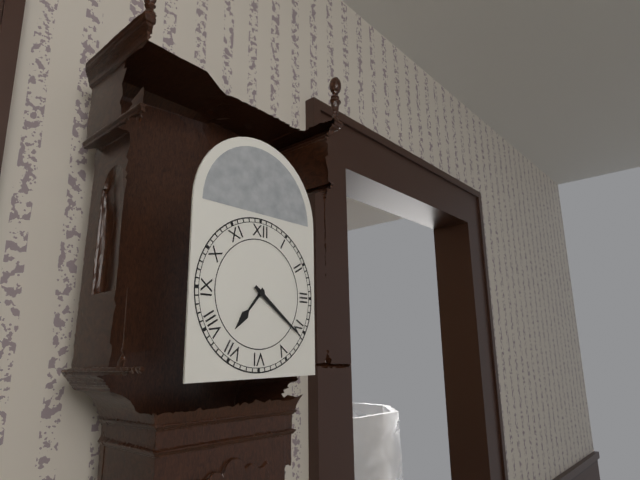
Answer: {"hour": 7, "minute": 21}
